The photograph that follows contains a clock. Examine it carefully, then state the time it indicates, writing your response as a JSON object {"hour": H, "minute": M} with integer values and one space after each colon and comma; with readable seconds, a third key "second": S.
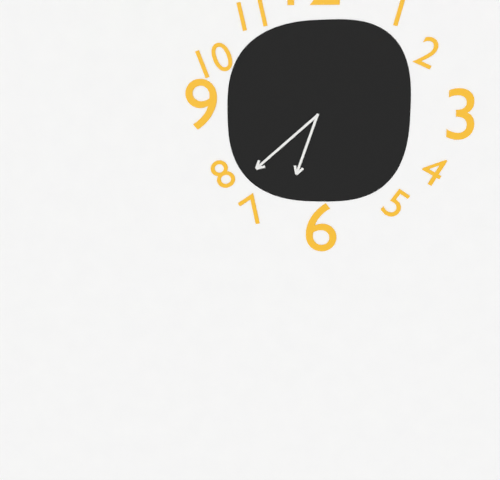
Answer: {"hour": 6, "minute": 38}
